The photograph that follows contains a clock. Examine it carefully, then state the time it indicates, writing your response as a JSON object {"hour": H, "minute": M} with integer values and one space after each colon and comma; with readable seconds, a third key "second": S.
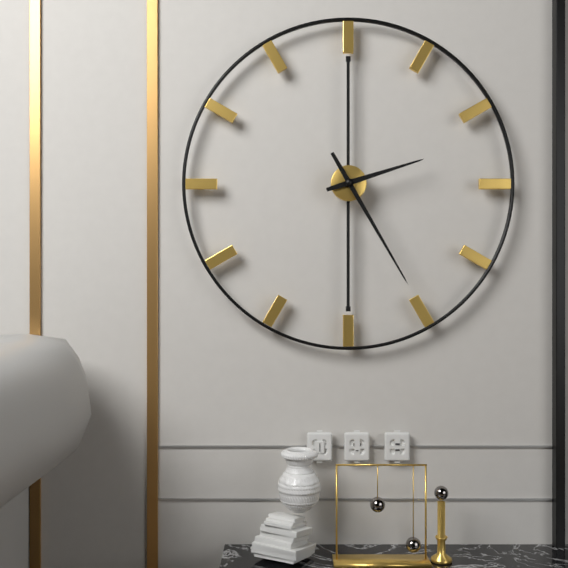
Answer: {"hour": 2, "minute": 25}
